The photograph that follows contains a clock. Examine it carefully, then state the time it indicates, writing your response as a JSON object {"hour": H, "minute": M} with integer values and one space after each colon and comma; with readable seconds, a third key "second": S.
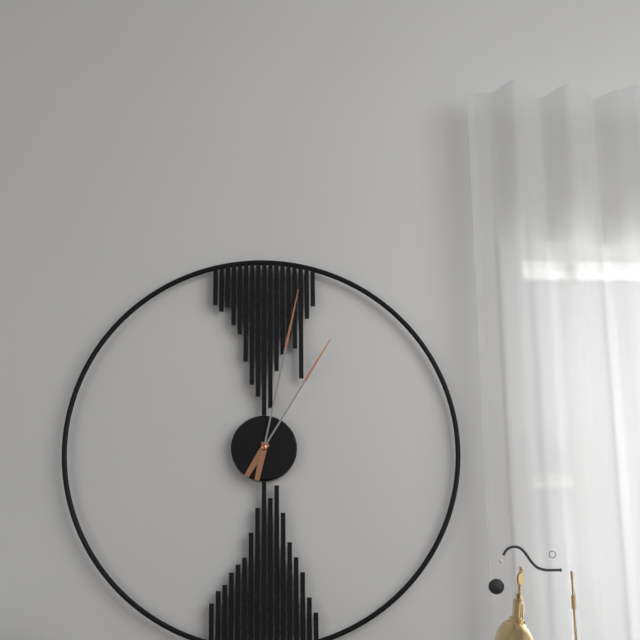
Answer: {"hour": 1, "minute": 2}
